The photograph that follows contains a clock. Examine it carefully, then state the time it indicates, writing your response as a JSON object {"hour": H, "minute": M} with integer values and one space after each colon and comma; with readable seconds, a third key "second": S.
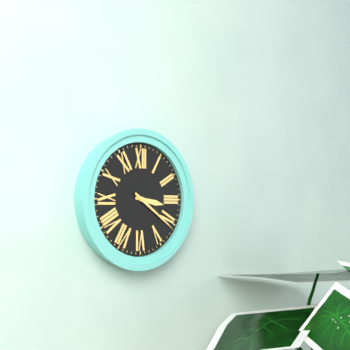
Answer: {"hour": 3, "minute": 21}
